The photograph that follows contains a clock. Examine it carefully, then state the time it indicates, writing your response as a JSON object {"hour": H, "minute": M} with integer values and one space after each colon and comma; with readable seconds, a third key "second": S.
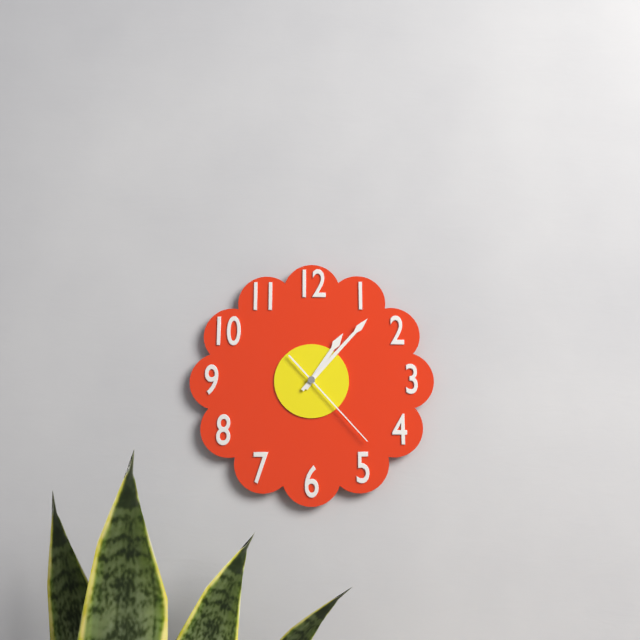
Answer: {"hour": 1, "minute": 7, "second": 23}
